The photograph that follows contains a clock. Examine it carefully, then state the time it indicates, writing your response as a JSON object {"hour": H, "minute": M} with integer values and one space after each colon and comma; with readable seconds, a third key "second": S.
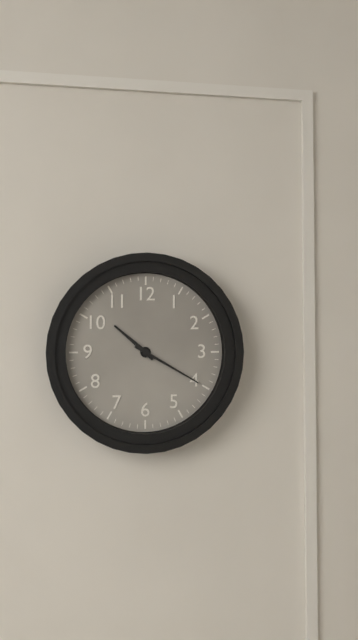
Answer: {"hour": 10, "minute": 20}
